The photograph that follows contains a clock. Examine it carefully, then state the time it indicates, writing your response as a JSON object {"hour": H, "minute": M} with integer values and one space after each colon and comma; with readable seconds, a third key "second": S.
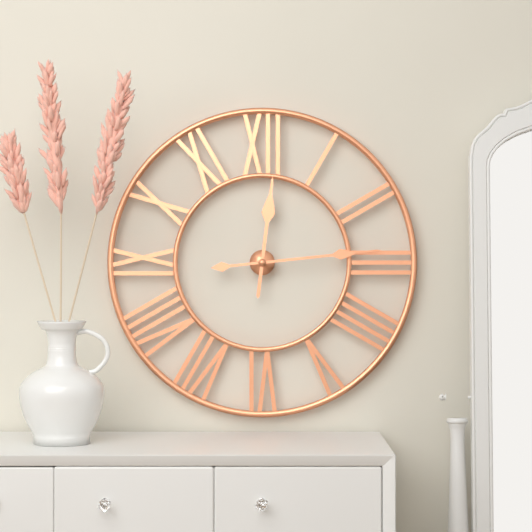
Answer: {"hour": 12, "minute": 14}
